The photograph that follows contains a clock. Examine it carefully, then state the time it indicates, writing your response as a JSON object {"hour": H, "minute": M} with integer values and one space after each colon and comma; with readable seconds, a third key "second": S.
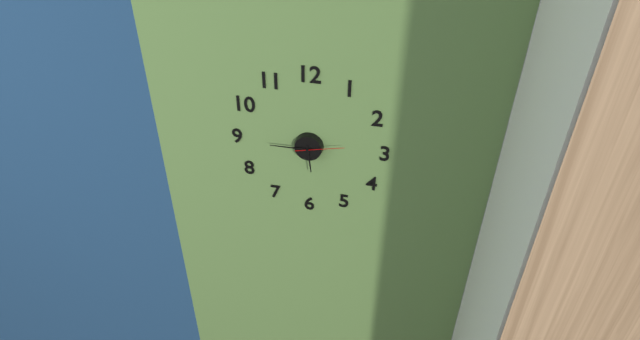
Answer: {"hour": 5, "minute": 45}
